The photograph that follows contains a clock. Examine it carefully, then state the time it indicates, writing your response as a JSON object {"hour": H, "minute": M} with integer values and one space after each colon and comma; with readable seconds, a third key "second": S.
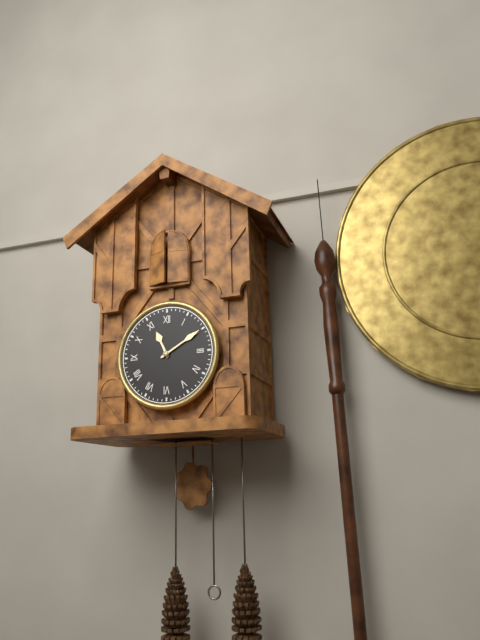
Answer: {"hour": 11, "minute": 10}
